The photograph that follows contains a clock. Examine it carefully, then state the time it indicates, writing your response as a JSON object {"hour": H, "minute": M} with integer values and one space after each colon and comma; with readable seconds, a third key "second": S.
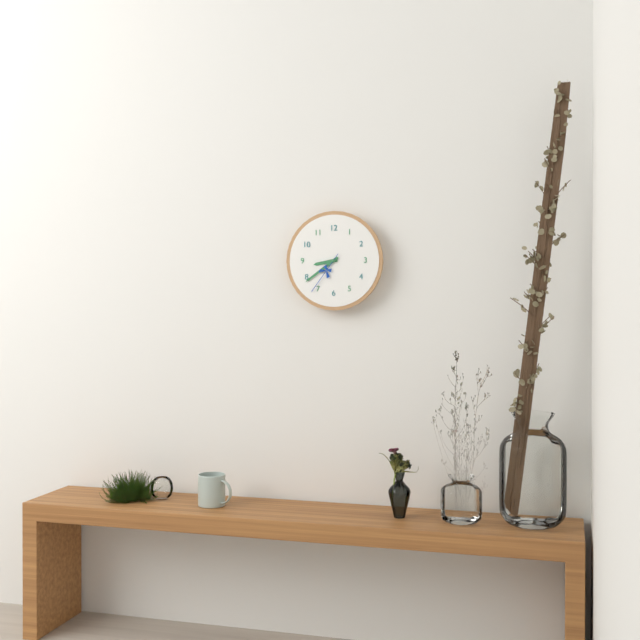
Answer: {"hour": 8, "minute": 39}
